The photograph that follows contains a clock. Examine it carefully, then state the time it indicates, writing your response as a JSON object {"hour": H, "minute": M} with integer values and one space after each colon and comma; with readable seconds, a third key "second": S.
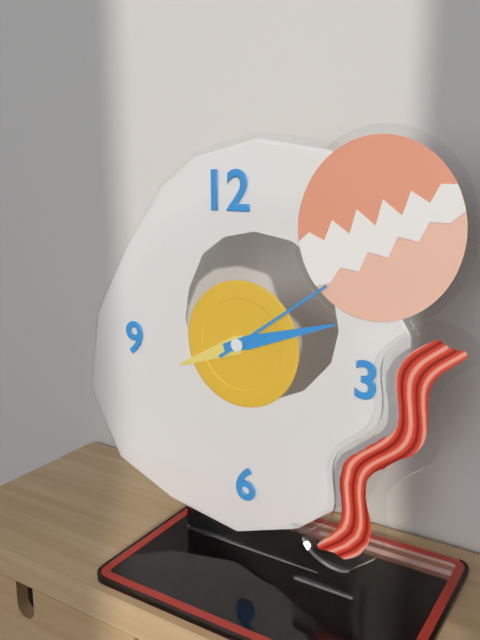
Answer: {"hour": 8, "minute": 12, "second": 9}
